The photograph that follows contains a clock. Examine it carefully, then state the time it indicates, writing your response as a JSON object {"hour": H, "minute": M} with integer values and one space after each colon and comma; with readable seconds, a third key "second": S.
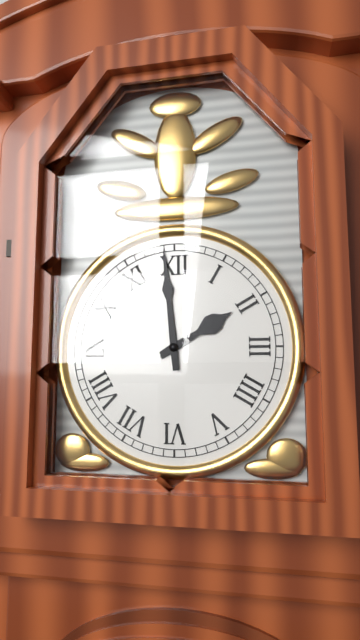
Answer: {"hour": 1, "minute": 59}
